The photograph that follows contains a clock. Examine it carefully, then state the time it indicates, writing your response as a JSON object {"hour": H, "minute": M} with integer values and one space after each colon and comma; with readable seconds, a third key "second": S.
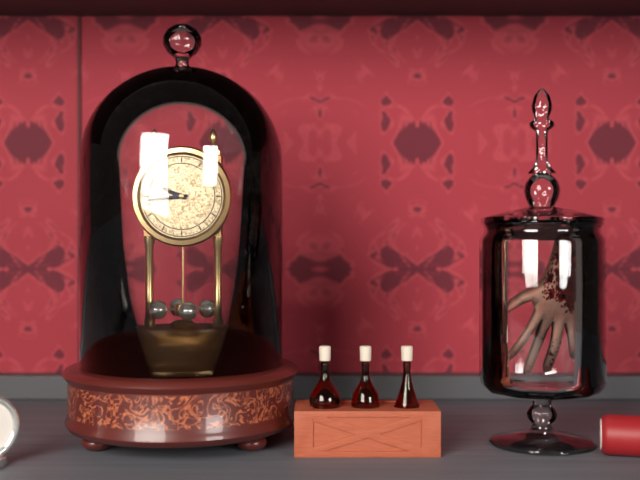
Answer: {"hour": 9, "minute": 44}
